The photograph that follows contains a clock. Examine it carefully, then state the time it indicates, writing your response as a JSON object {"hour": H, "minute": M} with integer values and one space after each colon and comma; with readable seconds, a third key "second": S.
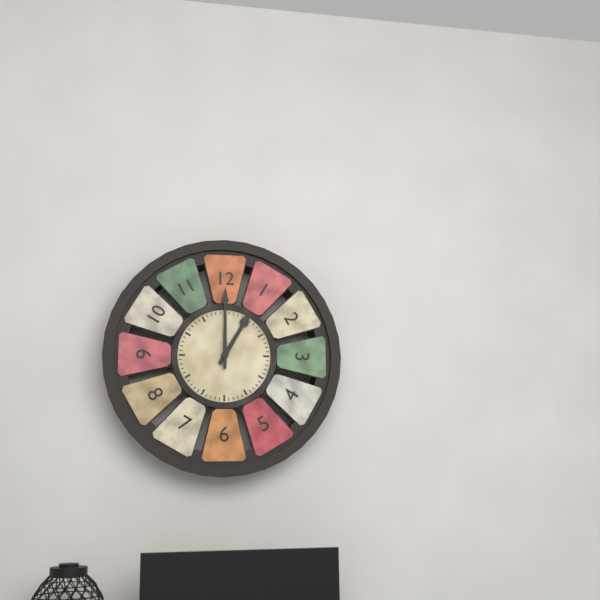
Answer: {"hour": 1, "minute": 0}
